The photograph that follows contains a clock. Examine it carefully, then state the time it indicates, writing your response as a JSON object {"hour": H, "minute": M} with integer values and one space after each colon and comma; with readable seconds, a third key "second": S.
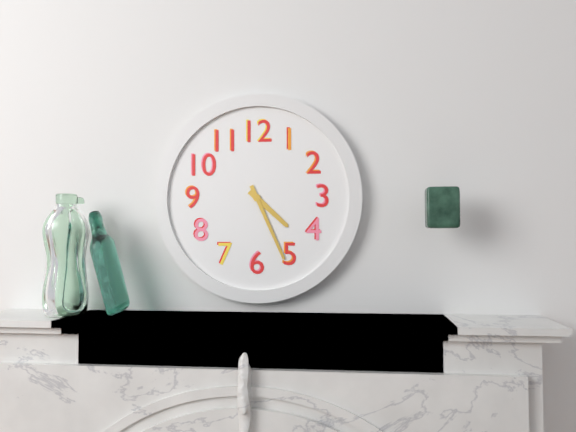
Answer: {"hour": 4, "minute": 26}
